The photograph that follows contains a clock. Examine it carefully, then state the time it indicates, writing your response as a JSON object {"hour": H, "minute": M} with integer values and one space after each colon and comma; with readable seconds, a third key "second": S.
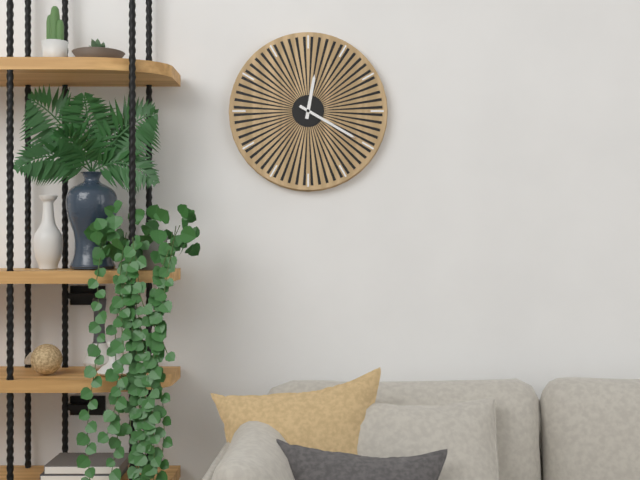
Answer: {"hour": 12, "minute": 20}
